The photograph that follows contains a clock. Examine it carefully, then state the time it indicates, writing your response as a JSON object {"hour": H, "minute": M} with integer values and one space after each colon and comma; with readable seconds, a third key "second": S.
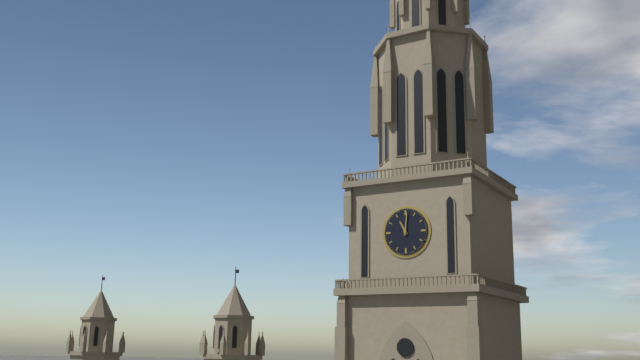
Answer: {"hour": 11, "minute": 1}
